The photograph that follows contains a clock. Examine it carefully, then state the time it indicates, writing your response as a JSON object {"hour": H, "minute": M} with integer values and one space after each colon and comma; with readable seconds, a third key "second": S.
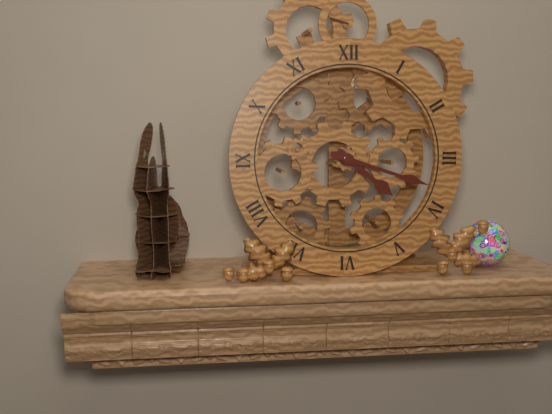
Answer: {"hour": 4, "minute": 18}
